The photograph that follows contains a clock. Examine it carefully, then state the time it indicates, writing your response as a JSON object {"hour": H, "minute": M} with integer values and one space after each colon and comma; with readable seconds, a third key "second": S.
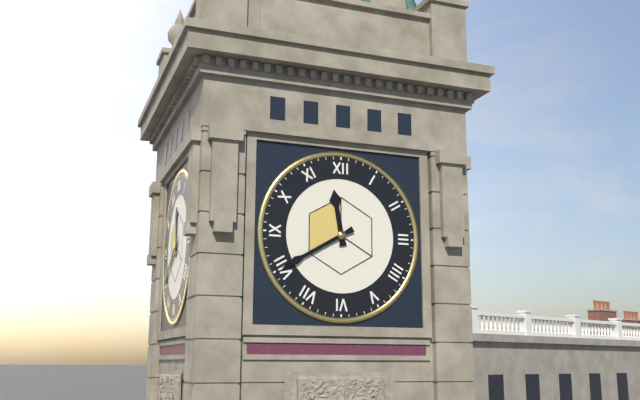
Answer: {"hour": 11, "minute": 40}
